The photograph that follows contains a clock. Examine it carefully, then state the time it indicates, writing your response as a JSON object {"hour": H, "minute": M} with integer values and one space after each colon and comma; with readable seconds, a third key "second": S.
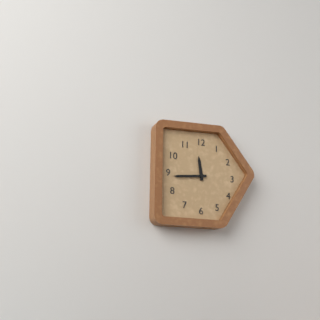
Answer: {"hour": 11, "minute": 44}
